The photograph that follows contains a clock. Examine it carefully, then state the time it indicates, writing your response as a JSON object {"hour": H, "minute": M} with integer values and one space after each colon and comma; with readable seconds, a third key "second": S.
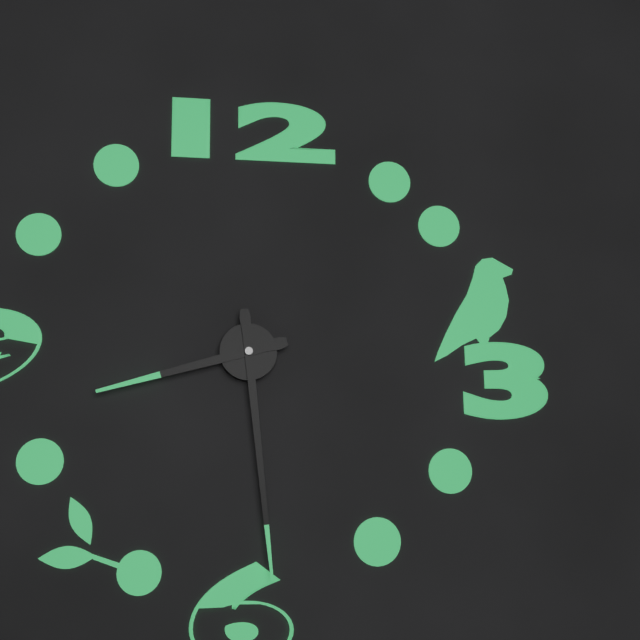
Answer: {"hour": 8, "minute": 29}
